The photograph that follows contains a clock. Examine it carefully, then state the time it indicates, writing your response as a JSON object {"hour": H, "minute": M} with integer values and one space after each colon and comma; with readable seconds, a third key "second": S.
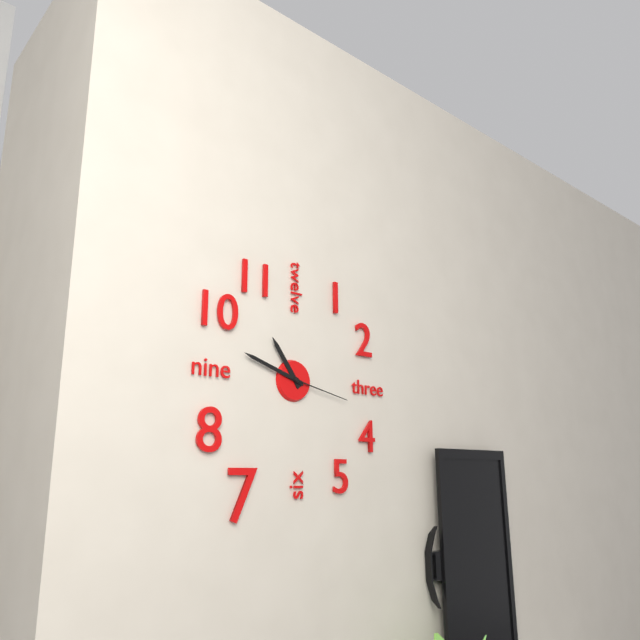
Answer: {"hour": 10, "minute": 48, "second": 17}
